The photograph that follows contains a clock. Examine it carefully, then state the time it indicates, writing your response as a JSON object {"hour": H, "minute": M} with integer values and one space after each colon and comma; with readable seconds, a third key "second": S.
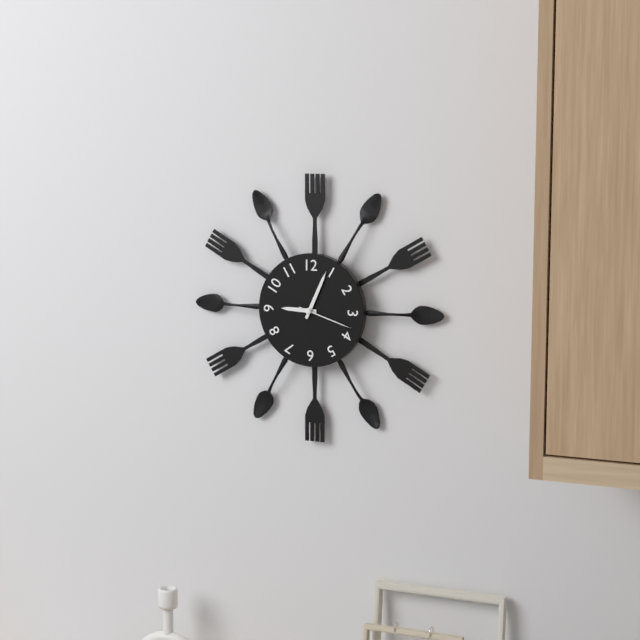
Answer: {"hour": 9, "minute": 4, "second": 18}
